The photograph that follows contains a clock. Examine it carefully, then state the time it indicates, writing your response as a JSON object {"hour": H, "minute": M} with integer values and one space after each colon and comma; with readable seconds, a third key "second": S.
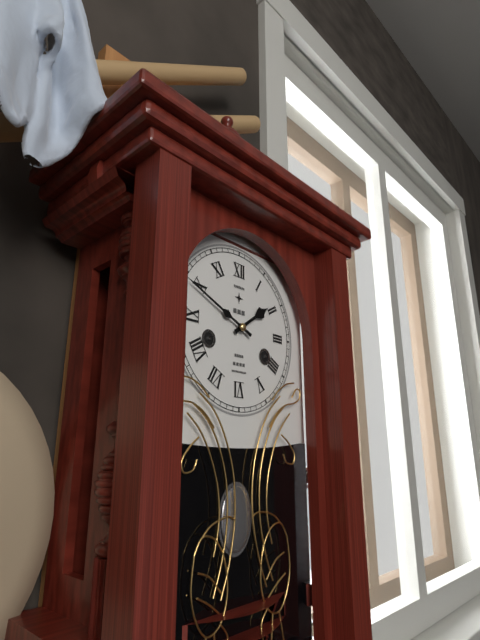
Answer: {"hour": 1, "minute": 49}
